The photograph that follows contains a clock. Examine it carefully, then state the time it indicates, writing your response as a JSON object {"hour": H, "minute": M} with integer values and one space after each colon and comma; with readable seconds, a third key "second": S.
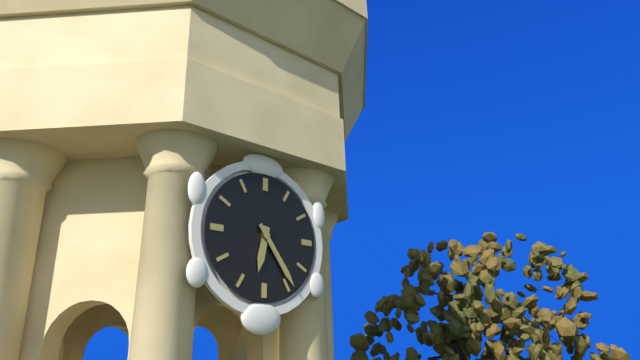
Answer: {"hour": 6, "minute": 24}
